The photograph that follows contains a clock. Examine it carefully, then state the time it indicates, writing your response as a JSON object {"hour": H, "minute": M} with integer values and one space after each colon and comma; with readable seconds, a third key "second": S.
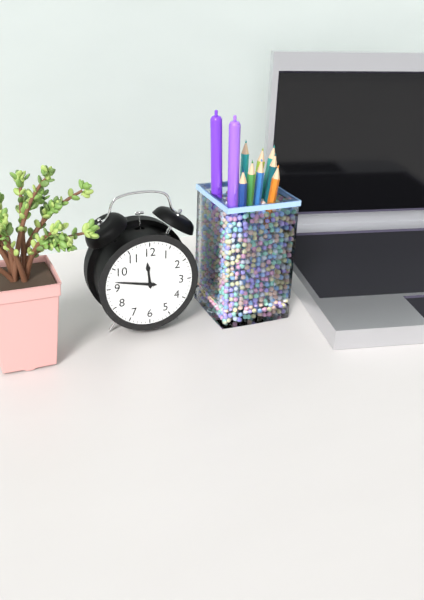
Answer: {"hour": 11, "minute": 47}
